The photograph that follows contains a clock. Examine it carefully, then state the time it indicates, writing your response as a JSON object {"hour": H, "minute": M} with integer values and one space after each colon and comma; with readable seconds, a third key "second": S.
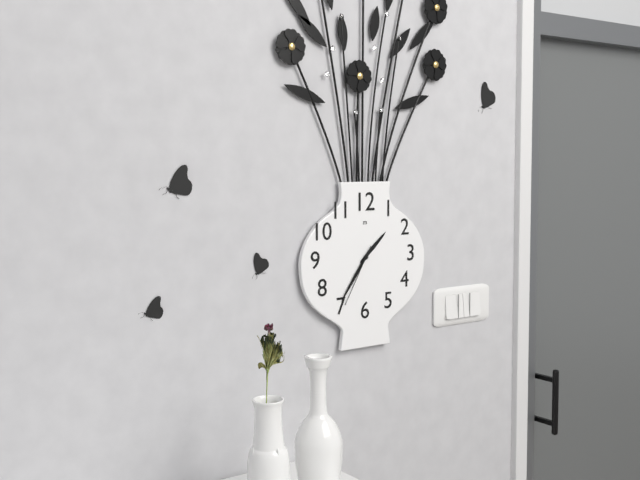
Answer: {"hour": 1, "minute": 36, "second": 35}
